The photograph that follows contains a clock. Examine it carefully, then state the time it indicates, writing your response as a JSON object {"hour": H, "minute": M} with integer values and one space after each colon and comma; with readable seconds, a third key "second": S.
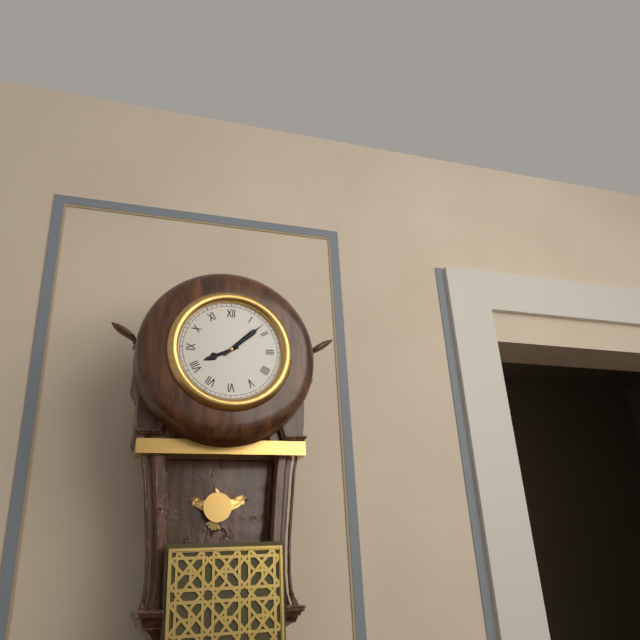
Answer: {"hour": 8, "minute": 8}
